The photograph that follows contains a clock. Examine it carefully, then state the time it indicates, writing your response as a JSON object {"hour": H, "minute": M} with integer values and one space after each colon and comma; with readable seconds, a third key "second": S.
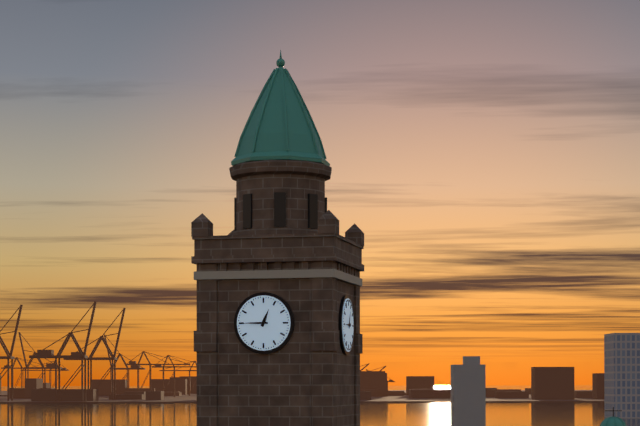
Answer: {"hour": 12, "minute": 45}
